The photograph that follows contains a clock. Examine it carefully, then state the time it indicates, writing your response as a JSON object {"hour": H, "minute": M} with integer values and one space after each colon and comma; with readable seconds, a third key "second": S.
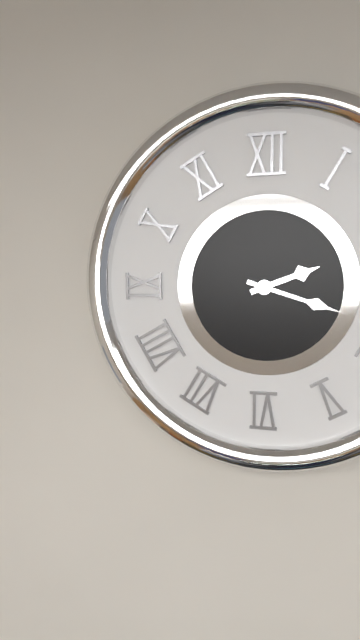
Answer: {"hour": 2, "minute": 18}
